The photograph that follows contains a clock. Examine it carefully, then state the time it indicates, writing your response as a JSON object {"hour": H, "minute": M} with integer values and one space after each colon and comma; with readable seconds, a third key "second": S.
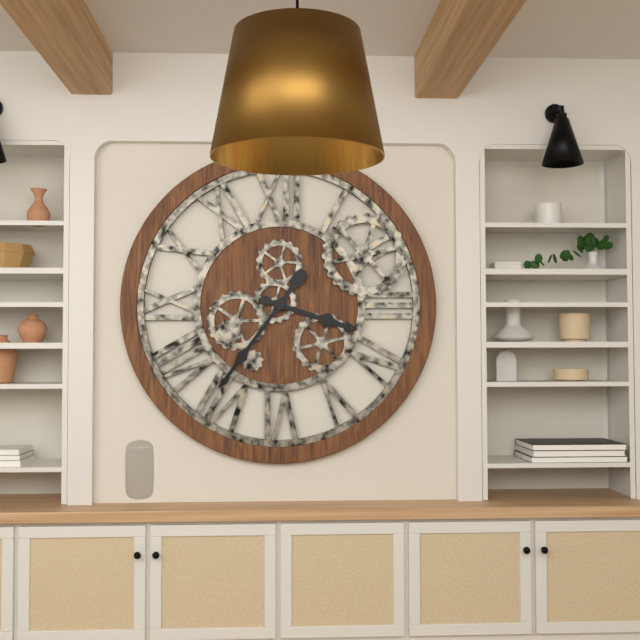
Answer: {"hour": 3, "minute": 36}
